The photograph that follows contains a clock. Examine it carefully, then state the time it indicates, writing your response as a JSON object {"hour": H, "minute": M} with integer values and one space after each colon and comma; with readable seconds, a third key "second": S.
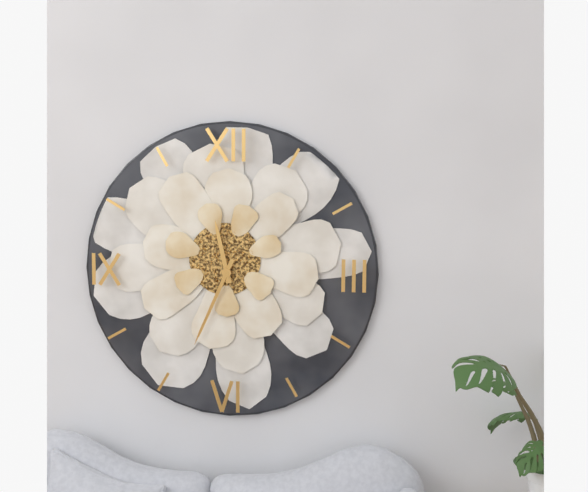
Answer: {"hour": 11, "minute": 34}
